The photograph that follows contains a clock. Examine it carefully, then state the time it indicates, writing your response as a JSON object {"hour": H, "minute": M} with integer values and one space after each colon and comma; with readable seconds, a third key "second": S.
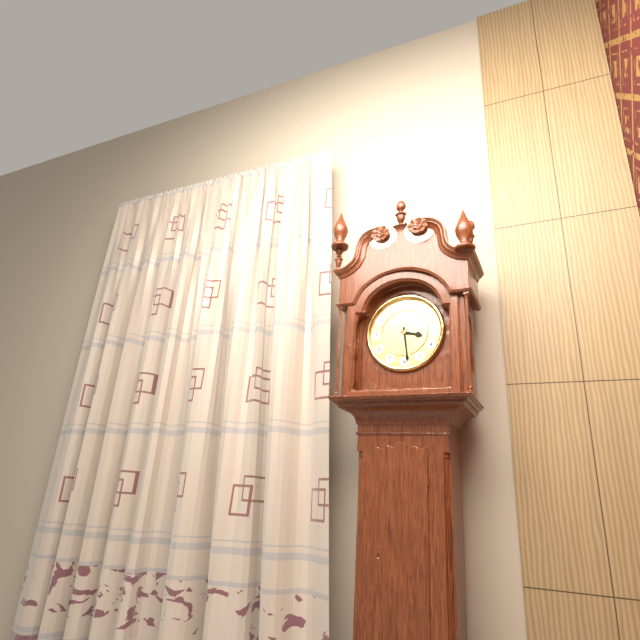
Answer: {"hour": 3, "minute": 29}
